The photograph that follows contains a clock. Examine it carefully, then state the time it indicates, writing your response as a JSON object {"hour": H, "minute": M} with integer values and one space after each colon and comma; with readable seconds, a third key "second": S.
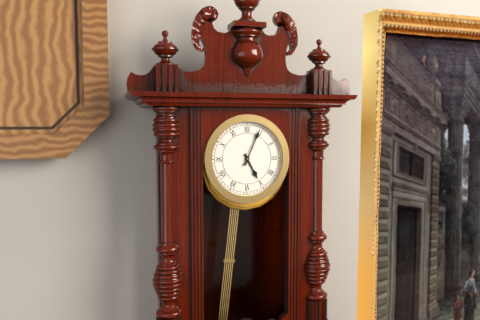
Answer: {"hour": 5, "minute": 4}
